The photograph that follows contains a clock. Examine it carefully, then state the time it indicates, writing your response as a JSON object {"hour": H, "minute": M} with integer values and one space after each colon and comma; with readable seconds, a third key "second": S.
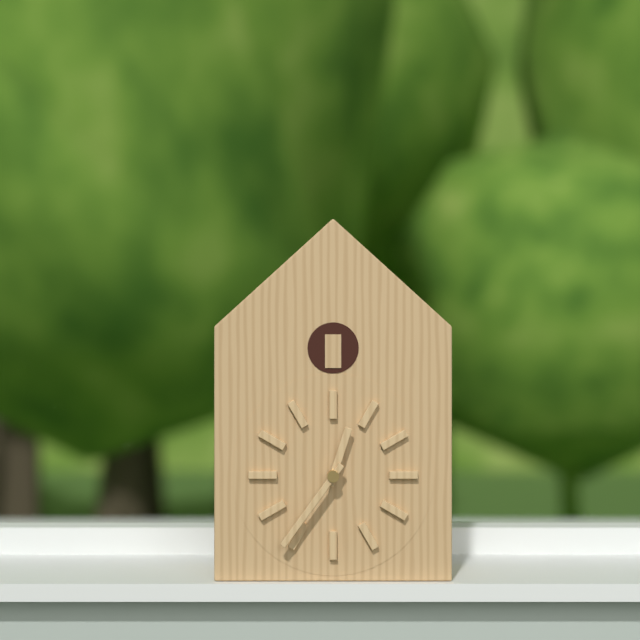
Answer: {"hour": 12, "minute": 36}
